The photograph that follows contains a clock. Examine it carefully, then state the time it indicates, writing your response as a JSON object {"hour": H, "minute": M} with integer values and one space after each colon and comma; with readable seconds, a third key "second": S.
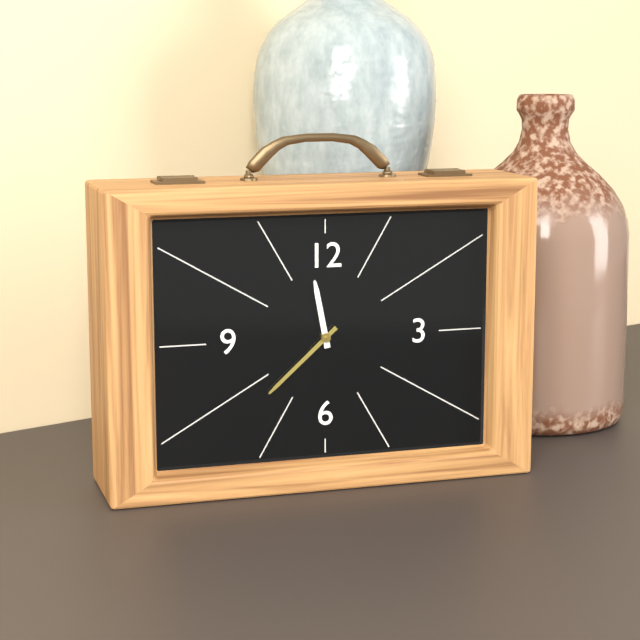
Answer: {"hour": 11, "minute": 38}
